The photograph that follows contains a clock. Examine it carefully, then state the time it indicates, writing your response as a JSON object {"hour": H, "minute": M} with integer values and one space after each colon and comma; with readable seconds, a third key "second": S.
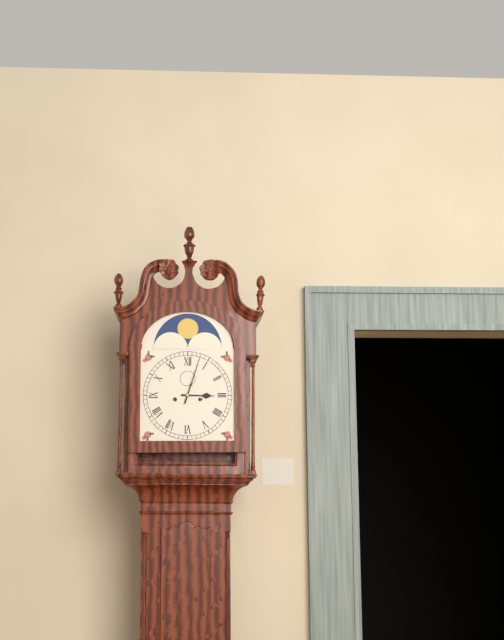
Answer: {"hour": 3, "minute": 3}
